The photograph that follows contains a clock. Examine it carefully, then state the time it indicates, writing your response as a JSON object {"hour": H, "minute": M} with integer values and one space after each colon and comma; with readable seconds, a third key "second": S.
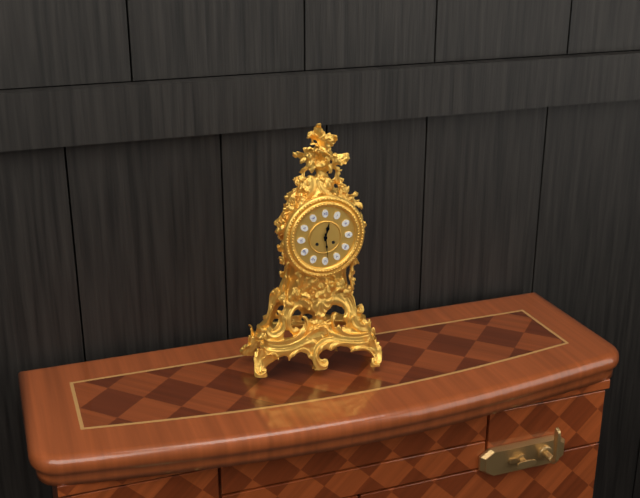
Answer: {"hour": 12, "minute": 29}
